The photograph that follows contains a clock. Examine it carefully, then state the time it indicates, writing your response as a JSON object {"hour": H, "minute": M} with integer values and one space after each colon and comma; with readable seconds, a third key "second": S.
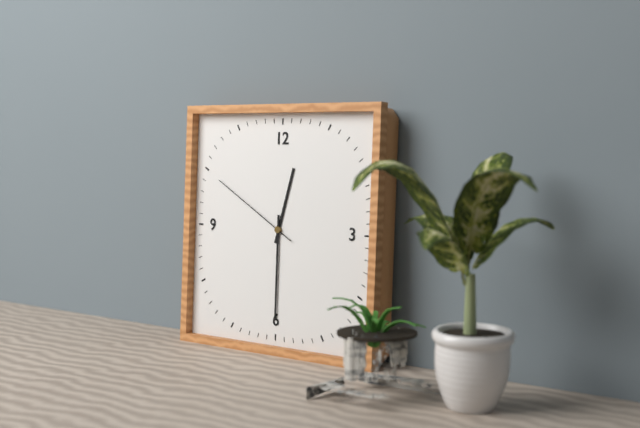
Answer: {"hour": 12, "minute": 30, "second": 50}
